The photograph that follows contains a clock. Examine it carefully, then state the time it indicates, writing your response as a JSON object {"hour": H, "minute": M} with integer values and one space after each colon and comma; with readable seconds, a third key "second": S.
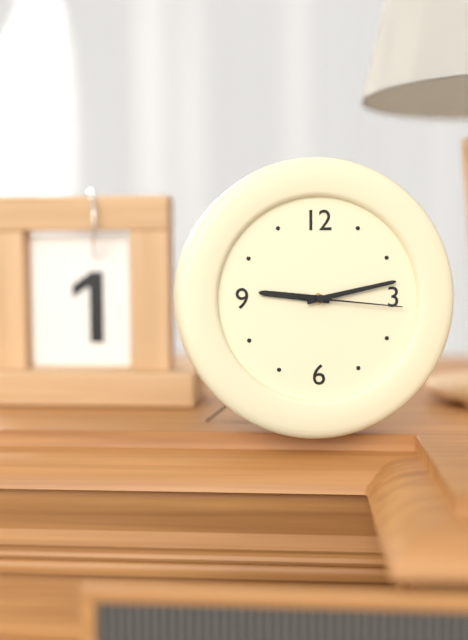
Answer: {"hour": 9, "minute": 13, "second": 16}
